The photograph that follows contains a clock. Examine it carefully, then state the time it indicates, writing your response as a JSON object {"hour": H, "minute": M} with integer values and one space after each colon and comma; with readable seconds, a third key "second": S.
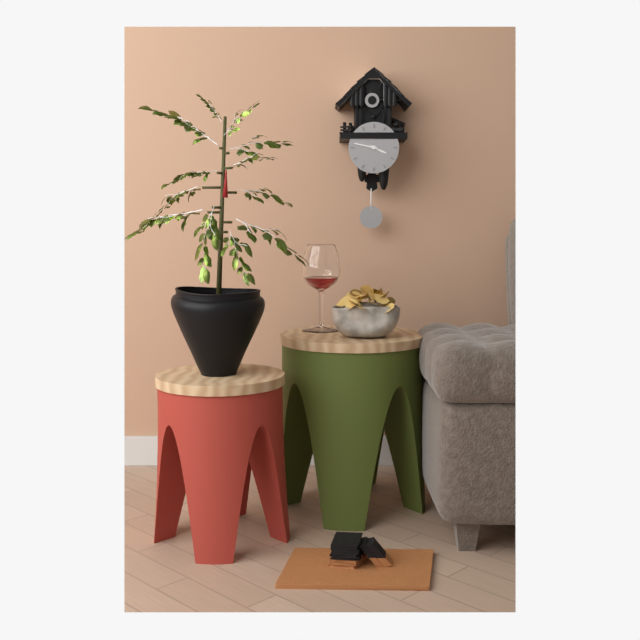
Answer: {"hour": 3, "minute": 47}
